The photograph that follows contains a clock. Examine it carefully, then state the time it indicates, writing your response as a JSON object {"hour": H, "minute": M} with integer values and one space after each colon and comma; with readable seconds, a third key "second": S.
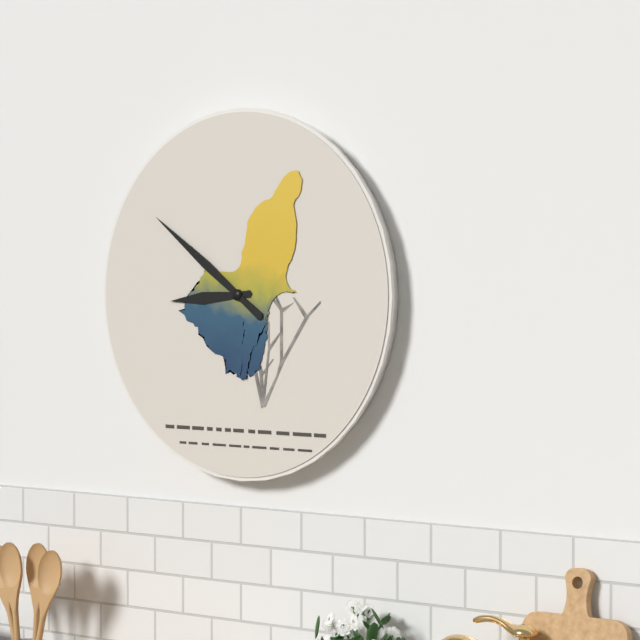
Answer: {"hour": 8, "minute": 51}
